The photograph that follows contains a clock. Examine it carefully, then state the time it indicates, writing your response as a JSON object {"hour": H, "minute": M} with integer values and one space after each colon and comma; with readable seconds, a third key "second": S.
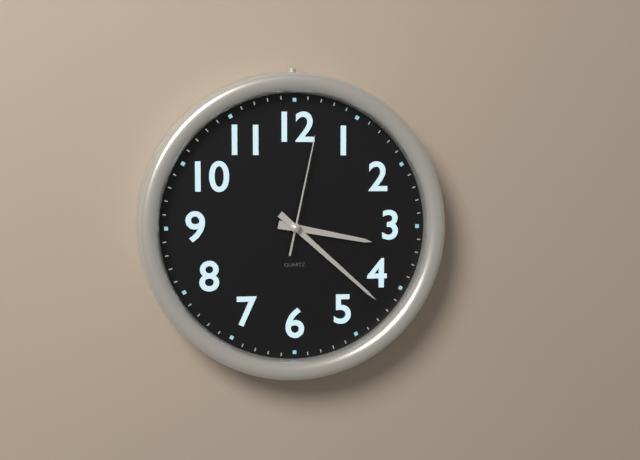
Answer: {"hour": 3, "minute": 22, "second": 2}
